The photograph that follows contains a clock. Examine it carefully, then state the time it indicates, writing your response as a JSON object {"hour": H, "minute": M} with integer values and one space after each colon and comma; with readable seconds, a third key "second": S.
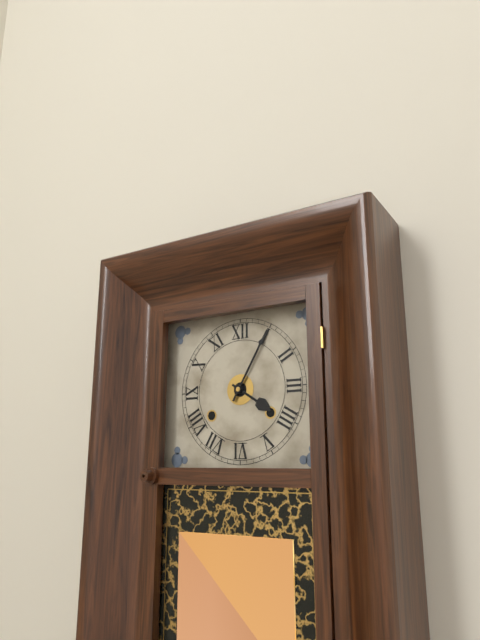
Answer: {"hour": 4, "minute": 5}
